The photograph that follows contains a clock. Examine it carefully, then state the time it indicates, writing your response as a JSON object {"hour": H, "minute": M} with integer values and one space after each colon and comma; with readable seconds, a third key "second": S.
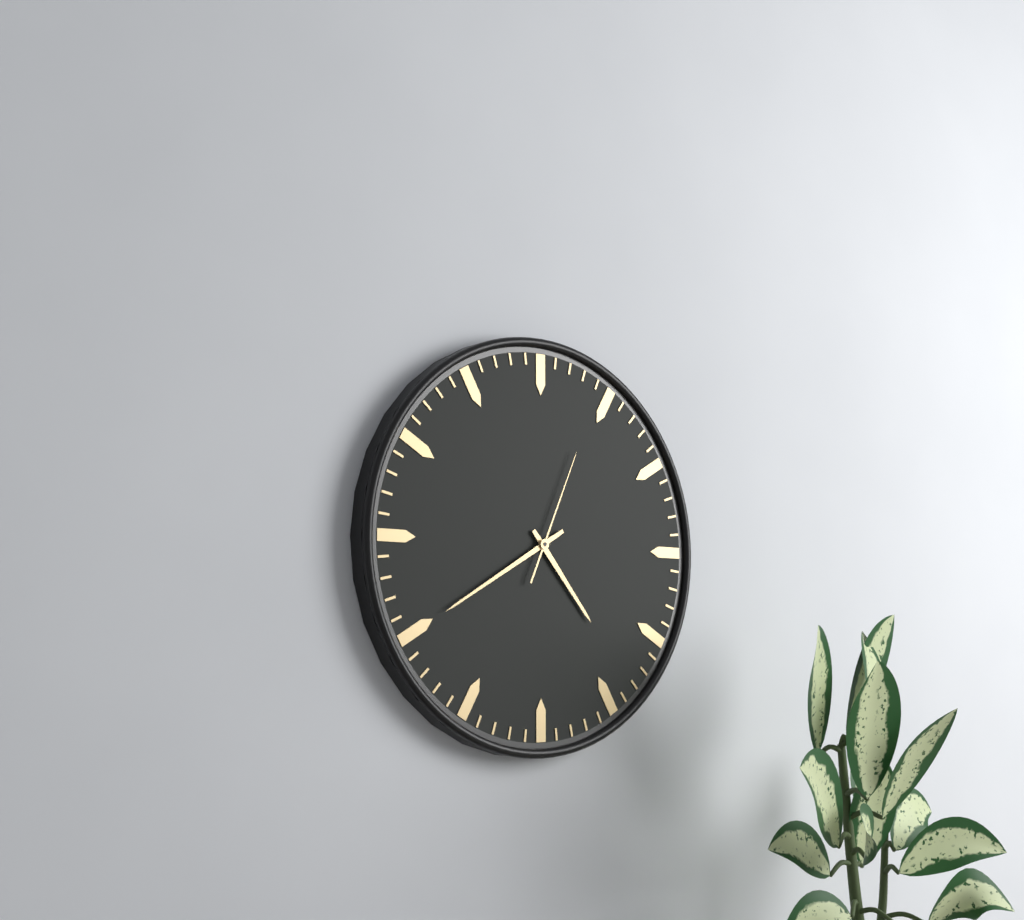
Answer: {"hour": 4, "minute": 40, "second": 4}
